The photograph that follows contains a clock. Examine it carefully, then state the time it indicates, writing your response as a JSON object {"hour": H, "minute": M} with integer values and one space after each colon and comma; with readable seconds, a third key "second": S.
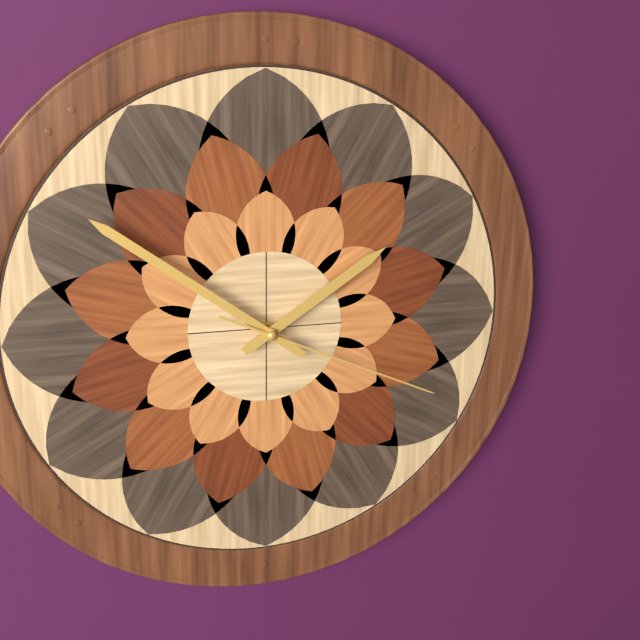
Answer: {"hour": 1, "minute": 51, "second": 19}
